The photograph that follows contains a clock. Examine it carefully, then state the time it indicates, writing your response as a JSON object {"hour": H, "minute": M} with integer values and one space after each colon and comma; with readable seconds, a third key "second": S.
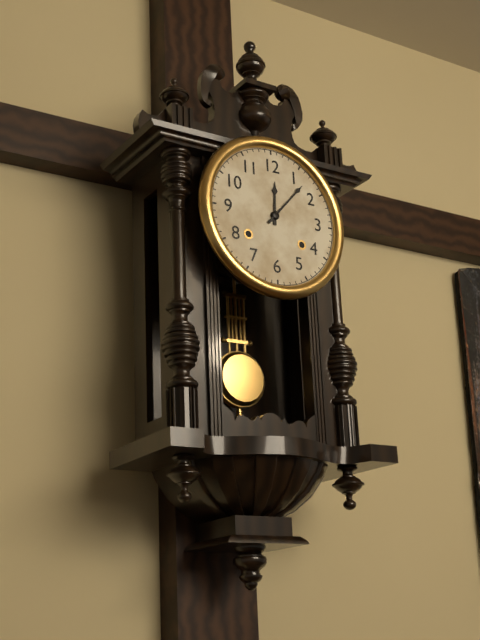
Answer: {"hour": 12, "minute": 7}
